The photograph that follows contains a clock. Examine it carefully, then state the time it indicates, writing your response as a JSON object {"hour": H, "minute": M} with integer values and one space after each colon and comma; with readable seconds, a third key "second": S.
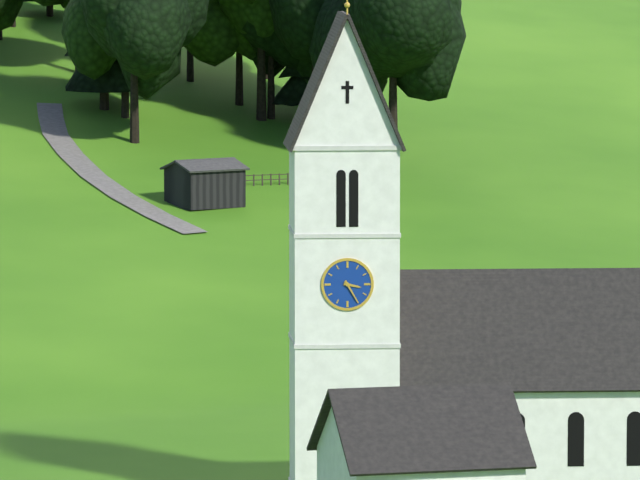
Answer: {"hour": 3, "minute": 25}
